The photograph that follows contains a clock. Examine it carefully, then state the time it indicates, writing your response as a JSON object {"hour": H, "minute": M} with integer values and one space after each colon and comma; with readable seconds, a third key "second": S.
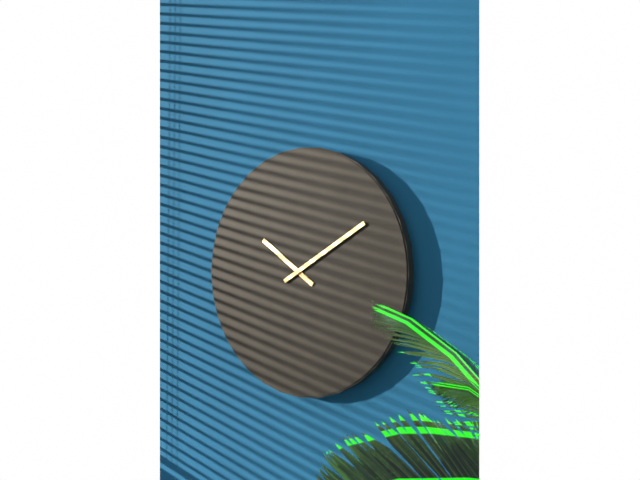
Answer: {"hour": 10, "minute": 10}
